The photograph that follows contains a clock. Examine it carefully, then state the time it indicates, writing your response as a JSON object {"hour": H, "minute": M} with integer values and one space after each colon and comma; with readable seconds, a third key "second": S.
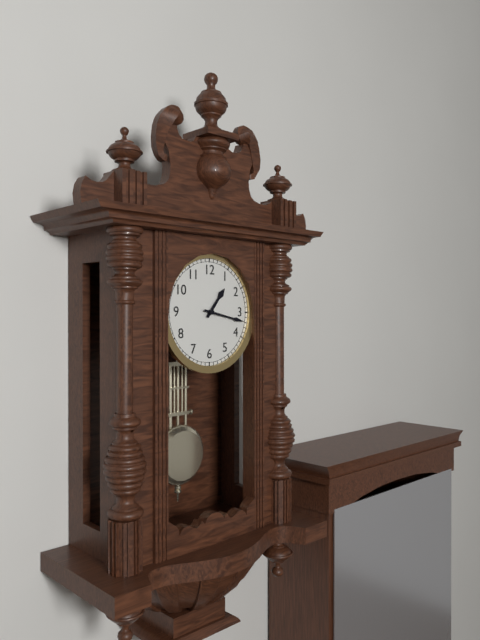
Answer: {"hour": 1, "minute": 17}
